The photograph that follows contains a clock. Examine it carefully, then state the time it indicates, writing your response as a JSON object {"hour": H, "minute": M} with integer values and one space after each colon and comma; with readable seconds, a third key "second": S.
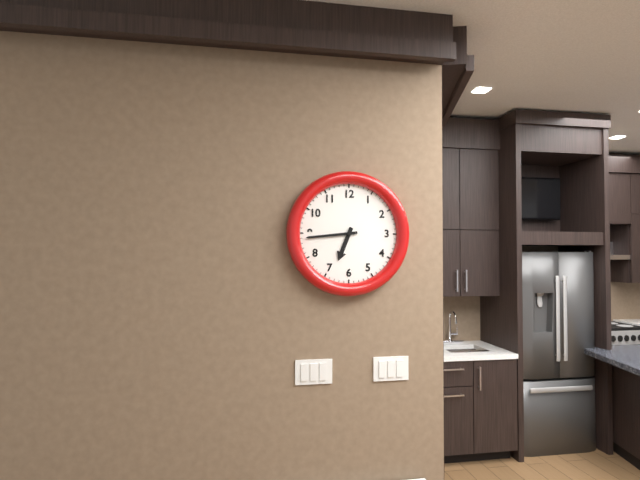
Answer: {"hour": 6, "minute": 44}
